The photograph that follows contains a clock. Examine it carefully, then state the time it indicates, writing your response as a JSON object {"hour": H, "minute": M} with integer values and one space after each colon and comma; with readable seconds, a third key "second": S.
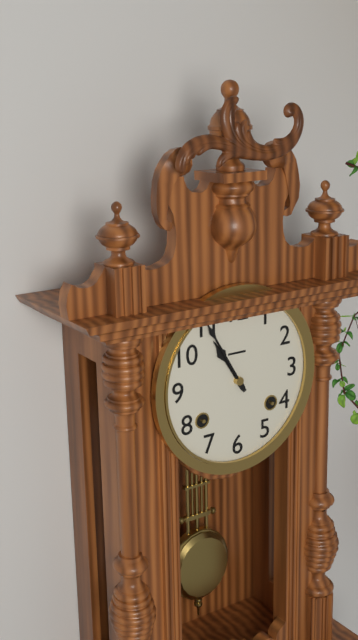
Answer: {"hour": 10, "minute": 55}
